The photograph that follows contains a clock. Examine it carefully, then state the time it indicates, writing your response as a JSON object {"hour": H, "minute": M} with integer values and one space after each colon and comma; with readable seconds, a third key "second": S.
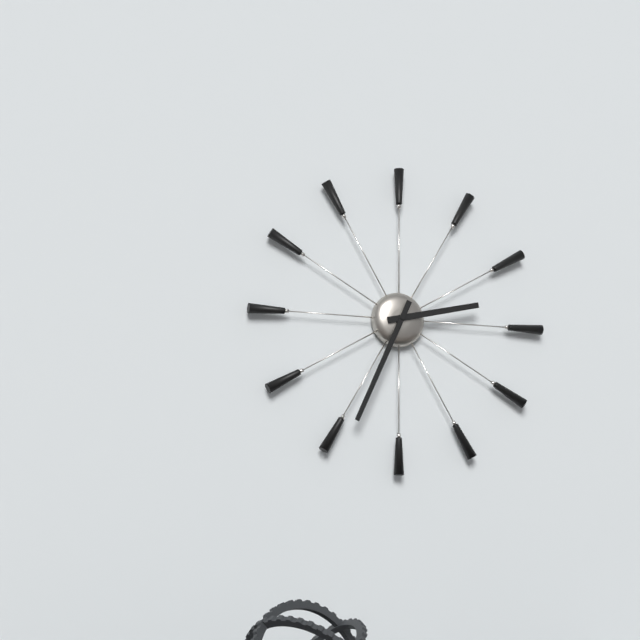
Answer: {"hour": 2, "minute": 34}
